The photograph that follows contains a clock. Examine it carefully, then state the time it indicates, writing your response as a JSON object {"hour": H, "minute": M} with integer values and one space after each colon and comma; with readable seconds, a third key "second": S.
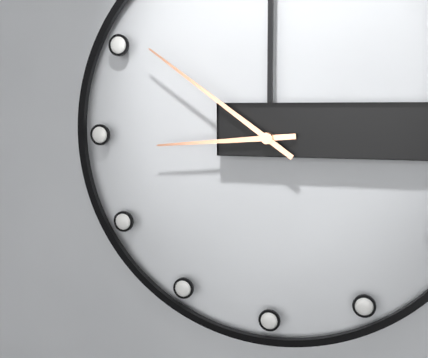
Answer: {"hour": 8, "minute": 51}
